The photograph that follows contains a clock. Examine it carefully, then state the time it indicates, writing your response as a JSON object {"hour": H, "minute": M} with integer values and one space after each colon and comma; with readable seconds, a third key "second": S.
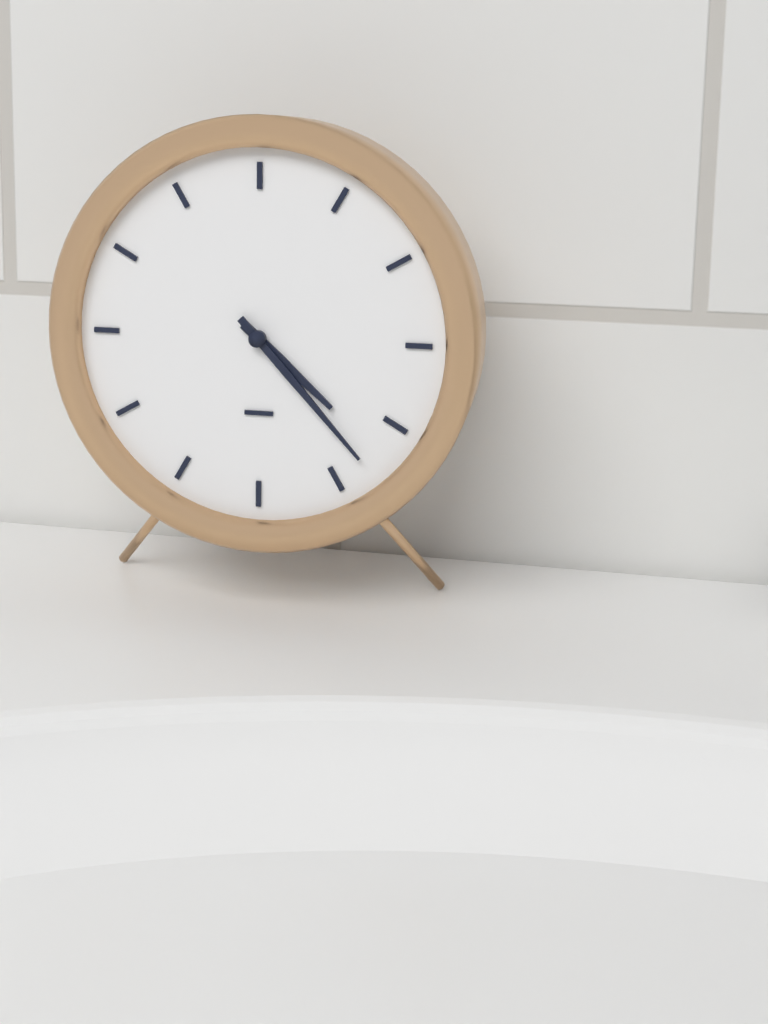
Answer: {"hour": 4, "minute": 23}
